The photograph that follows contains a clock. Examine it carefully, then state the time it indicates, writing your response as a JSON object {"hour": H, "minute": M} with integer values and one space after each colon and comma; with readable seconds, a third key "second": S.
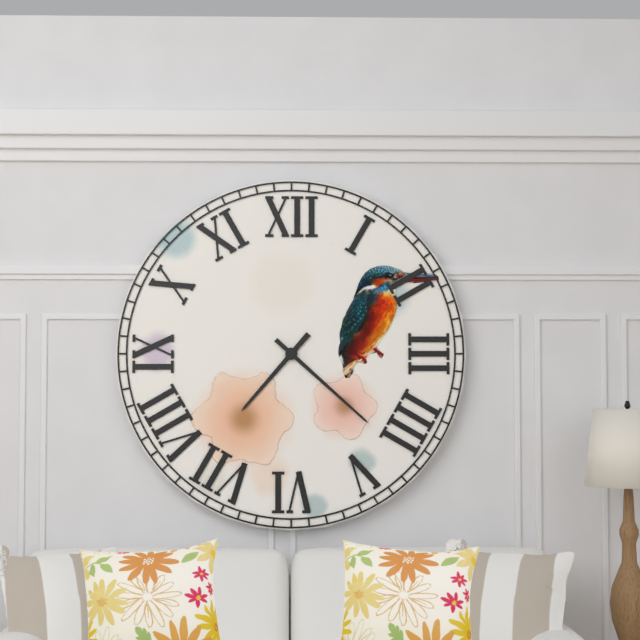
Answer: {"hour": 7, "minute": 22}
